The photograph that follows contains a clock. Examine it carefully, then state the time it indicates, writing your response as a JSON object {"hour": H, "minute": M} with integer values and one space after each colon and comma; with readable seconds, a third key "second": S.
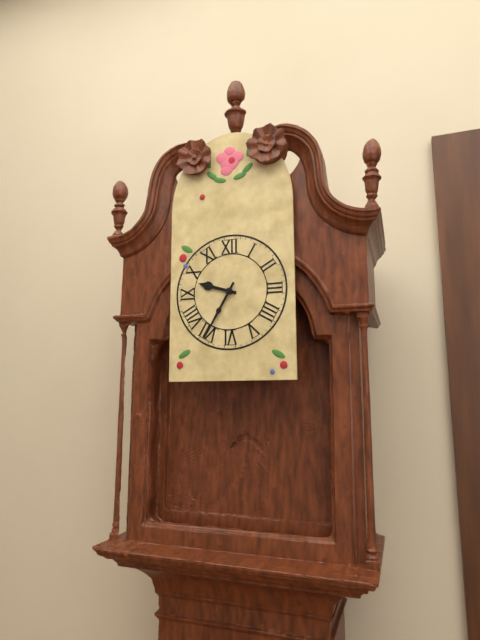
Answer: {"hour": 9, "minute": 35}
